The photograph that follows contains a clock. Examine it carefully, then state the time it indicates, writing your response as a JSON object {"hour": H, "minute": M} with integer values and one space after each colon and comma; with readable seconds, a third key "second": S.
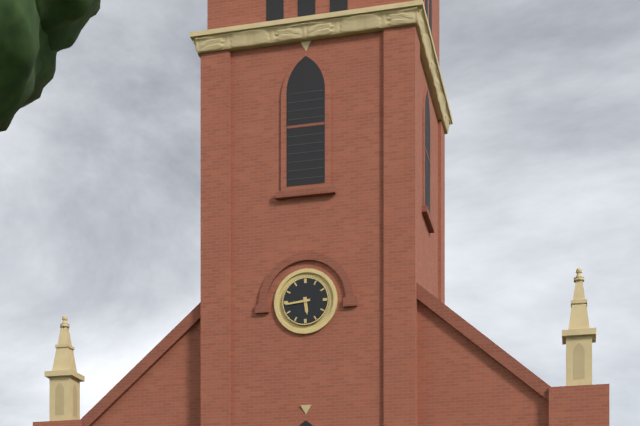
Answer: {"hour": 5, "minute": 44}
